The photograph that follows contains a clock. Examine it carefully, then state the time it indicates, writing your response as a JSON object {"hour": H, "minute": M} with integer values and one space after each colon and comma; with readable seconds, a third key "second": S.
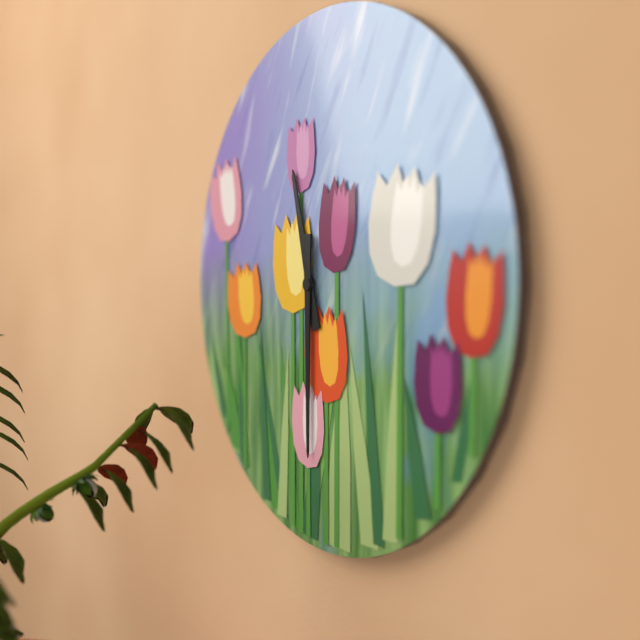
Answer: {"hour": 11, "minute": 30}
